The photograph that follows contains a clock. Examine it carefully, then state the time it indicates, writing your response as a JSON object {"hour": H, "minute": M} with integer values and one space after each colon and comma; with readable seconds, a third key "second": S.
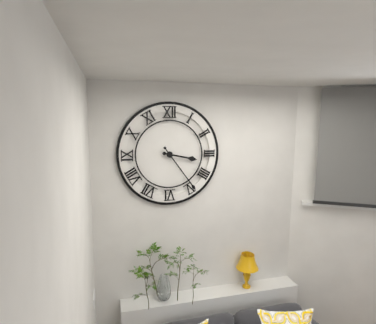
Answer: {"hour": 3, "minute": 24}
